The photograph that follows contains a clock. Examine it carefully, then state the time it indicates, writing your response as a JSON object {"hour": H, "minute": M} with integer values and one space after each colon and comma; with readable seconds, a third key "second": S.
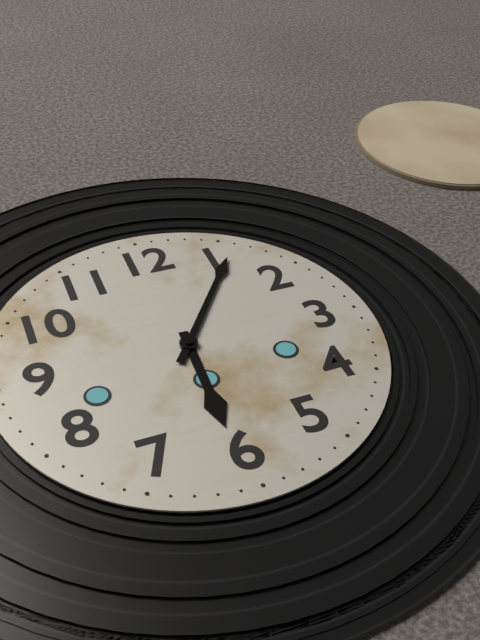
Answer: {"hour": 6, "minute": 6}
